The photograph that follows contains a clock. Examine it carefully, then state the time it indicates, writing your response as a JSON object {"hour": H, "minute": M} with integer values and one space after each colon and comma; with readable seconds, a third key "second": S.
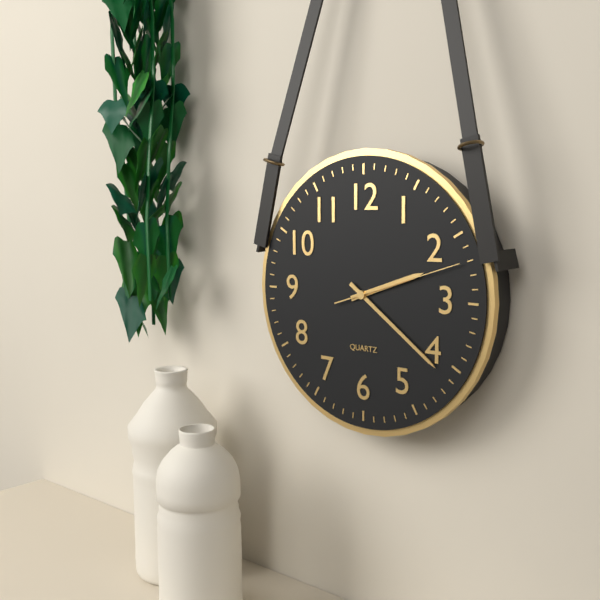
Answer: {"hour": 2, "minute": 21, "second": 12}
